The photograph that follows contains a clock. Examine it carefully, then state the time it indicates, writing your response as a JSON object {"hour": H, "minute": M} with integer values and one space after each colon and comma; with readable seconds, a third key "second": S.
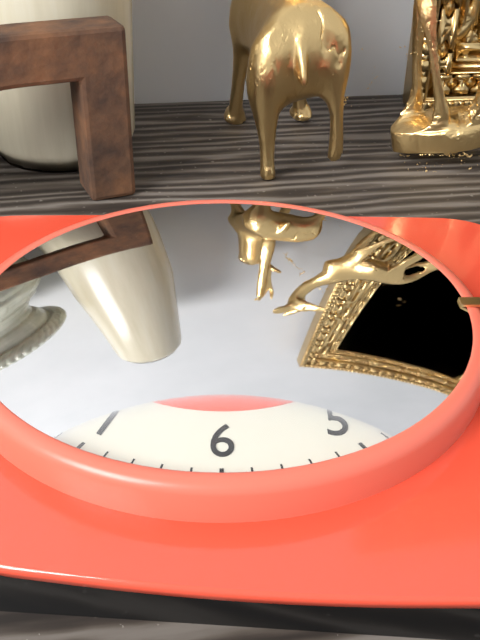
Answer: {"hour": 3, "minute": 22, "second": 0}
